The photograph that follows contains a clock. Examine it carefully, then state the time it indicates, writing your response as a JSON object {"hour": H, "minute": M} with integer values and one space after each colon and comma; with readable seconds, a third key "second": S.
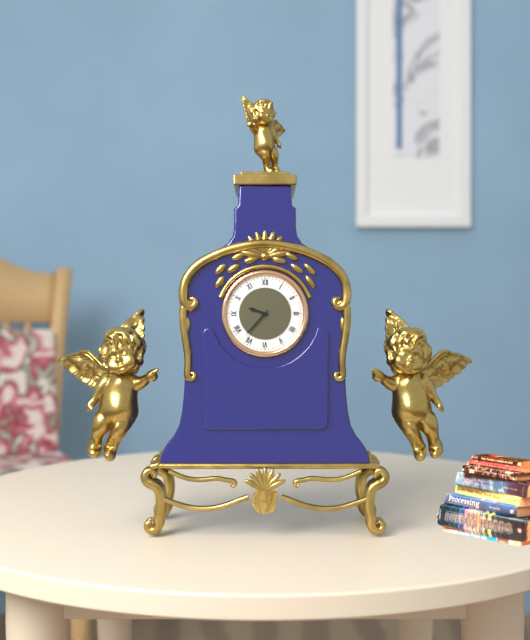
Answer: {"hour": 9, "minute": 37}
